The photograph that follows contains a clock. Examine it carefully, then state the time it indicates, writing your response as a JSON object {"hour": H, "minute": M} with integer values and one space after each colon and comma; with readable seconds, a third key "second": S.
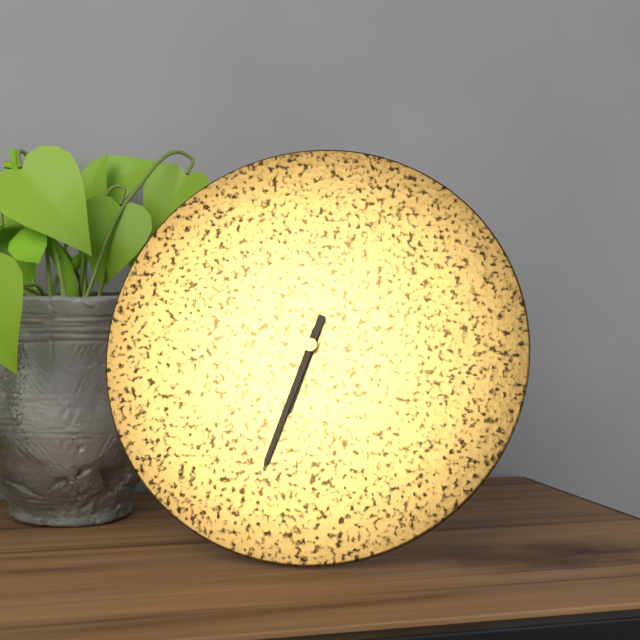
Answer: {"hour": 6, "minute": 33}
